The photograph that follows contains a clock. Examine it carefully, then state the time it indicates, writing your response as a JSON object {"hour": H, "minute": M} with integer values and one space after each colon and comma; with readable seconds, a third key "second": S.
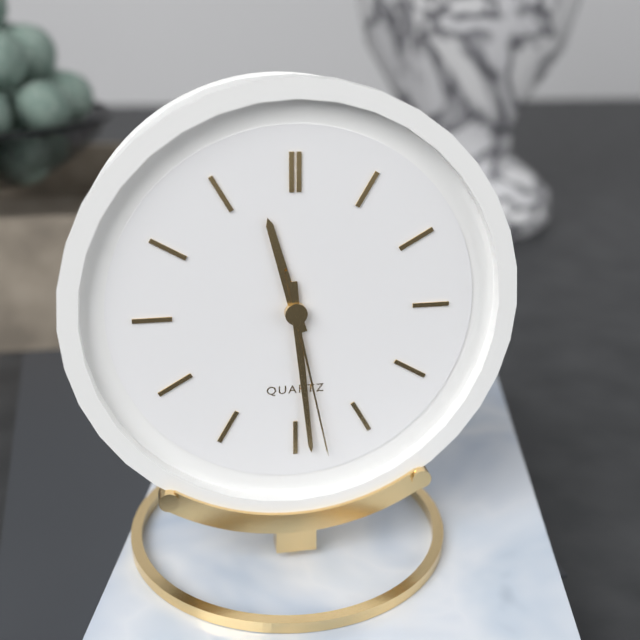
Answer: {"hour": 11, "minute": 29, "second": 28}
